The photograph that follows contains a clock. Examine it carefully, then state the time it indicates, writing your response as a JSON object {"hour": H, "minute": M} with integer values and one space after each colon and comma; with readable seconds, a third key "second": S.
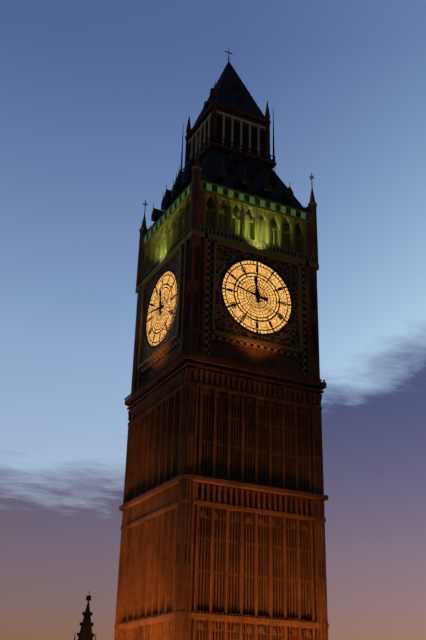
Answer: {"hour": 11, "minute": 47}
